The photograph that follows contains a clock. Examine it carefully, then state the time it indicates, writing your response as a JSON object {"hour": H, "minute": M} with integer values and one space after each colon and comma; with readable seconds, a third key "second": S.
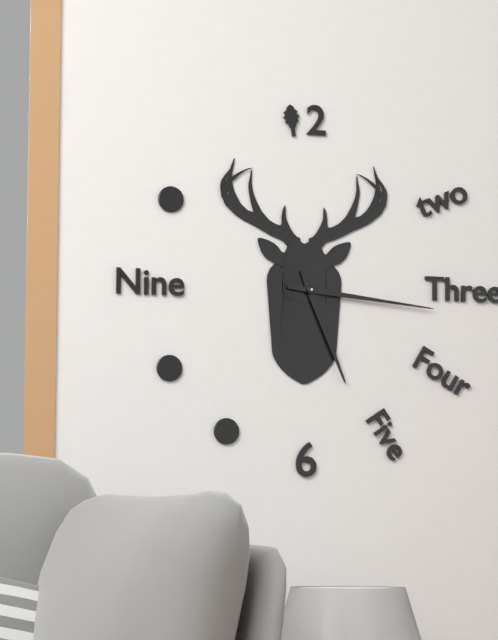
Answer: {"hour": 5, "minute": 16}
